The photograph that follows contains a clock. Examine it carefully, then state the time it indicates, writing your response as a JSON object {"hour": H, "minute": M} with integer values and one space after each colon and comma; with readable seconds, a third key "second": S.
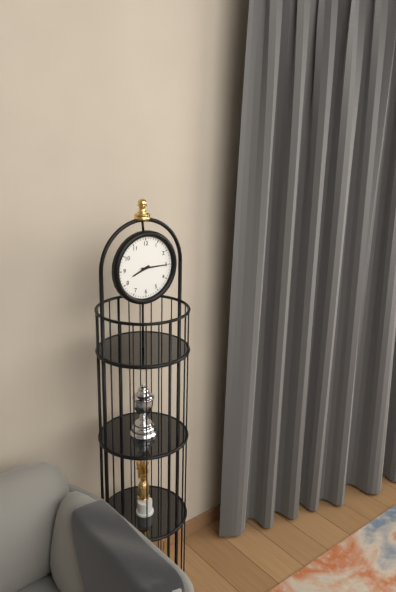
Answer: {"hour": 8, "minute": 15}
